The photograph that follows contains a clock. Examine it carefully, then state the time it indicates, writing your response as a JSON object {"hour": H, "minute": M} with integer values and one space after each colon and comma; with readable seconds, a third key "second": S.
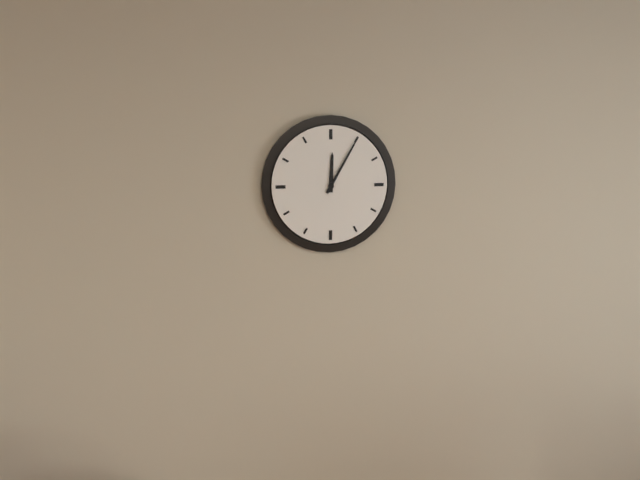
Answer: {"hour": 12, "minute": 5}
